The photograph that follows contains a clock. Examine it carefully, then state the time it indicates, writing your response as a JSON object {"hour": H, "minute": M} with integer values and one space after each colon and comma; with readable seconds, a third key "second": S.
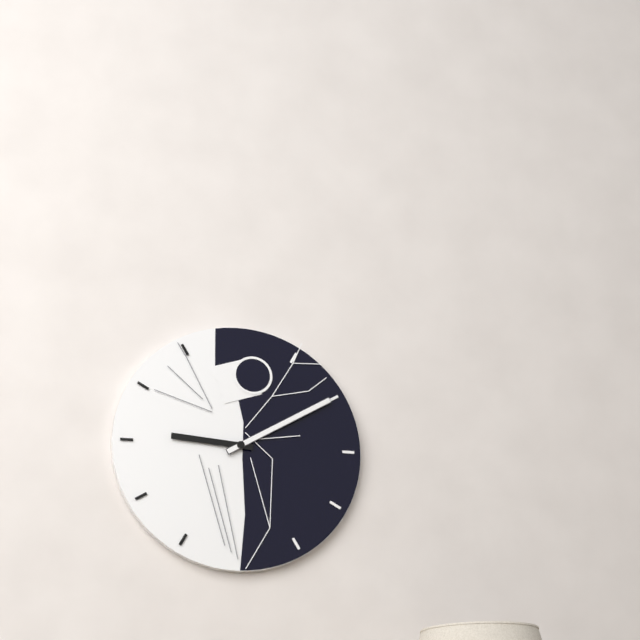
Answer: {"hour": 9, "minute": 10}
